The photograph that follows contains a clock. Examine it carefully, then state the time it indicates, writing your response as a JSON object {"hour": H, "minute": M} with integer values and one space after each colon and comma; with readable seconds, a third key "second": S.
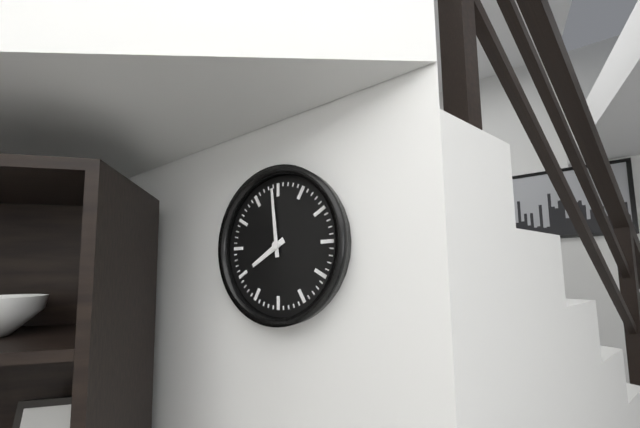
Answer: {"hour": 7, "minute": 59}
